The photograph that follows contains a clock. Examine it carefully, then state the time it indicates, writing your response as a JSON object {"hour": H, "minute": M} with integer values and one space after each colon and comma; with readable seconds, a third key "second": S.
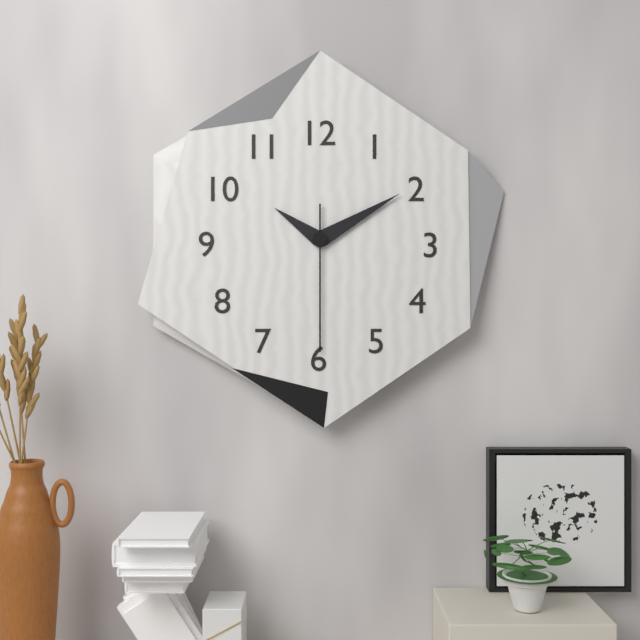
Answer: {"hour": 10, "minute": 10, "second": 30}
